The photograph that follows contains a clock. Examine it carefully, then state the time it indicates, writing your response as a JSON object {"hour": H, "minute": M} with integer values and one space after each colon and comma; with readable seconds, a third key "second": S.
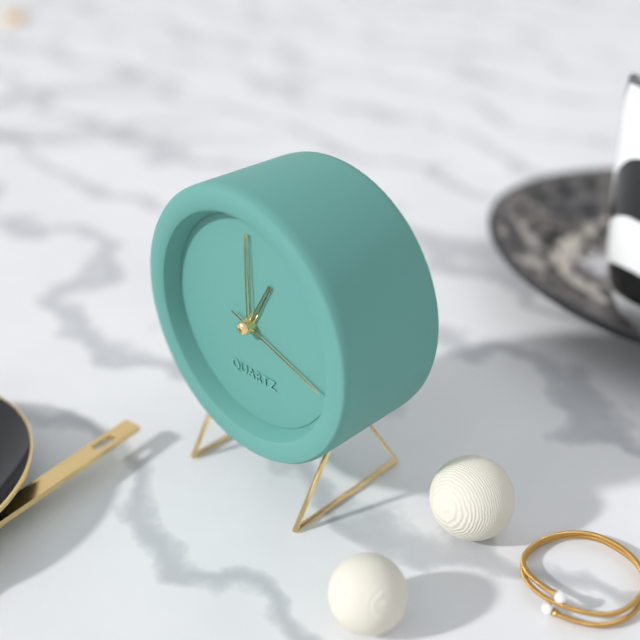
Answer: {"hour": 1, "minute": 0, "second": 18}
